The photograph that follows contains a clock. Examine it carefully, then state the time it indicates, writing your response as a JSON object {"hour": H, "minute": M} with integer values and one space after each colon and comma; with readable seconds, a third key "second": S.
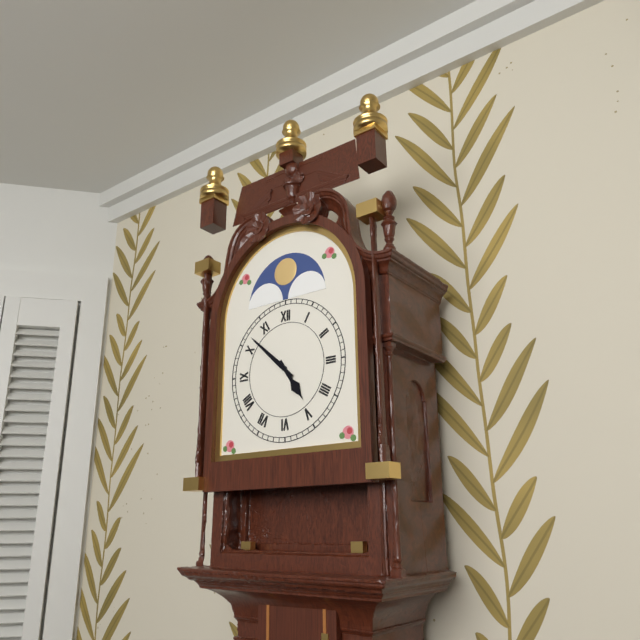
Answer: {"hour": 4, "minute": 52}
